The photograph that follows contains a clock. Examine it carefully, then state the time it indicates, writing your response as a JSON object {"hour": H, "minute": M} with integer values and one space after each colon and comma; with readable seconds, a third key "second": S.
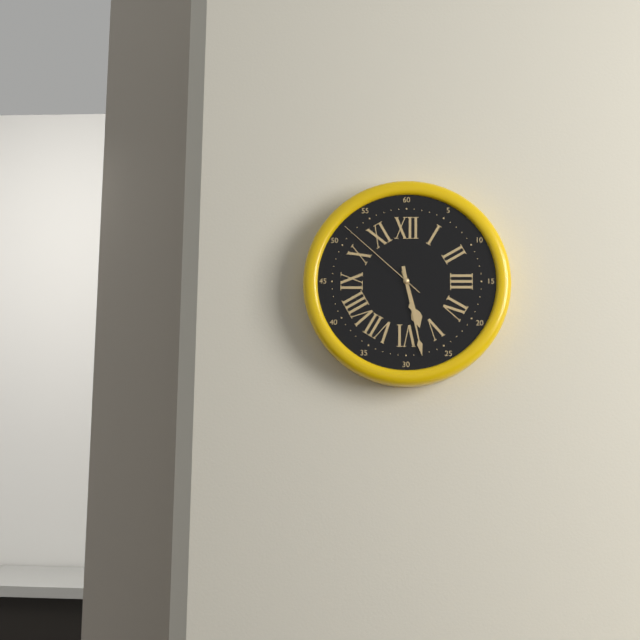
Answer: {"hour": 5, "minute": 28, "second": 52}
